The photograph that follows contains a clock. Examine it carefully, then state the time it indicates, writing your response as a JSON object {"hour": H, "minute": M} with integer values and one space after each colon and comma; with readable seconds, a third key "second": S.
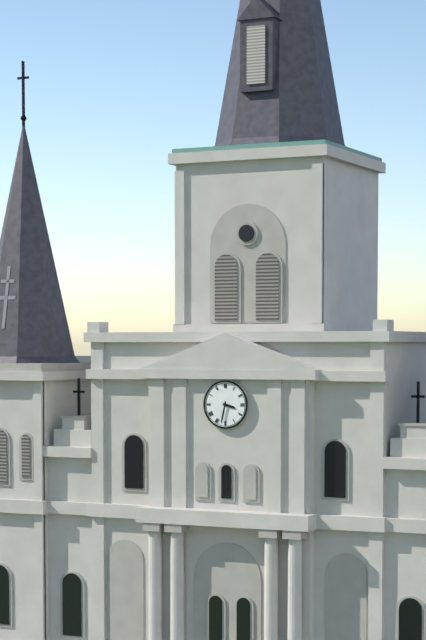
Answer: {"hour": 3, "minute": 32}
